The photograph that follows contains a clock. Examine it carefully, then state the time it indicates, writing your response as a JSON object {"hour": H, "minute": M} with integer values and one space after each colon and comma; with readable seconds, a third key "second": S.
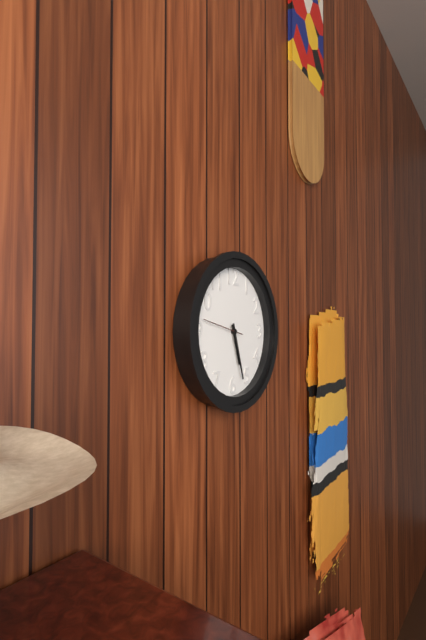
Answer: {"hour": 5, "minute": 27}
